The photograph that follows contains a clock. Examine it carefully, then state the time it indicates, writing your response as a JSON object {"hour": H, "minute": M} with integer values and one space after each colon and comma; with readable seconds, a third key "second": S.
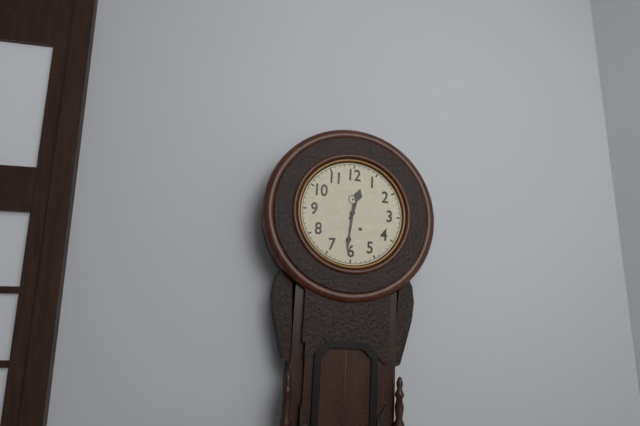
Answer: {"hour": 12, "minute": 31}
